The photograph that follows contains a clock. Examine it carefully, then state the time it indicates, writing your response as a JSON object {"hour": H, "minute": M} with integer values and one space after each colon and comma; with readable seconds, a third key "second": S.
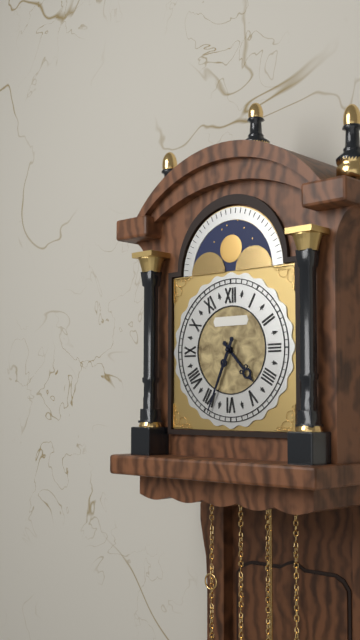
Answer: {"hour": 4, "minute": 34}
